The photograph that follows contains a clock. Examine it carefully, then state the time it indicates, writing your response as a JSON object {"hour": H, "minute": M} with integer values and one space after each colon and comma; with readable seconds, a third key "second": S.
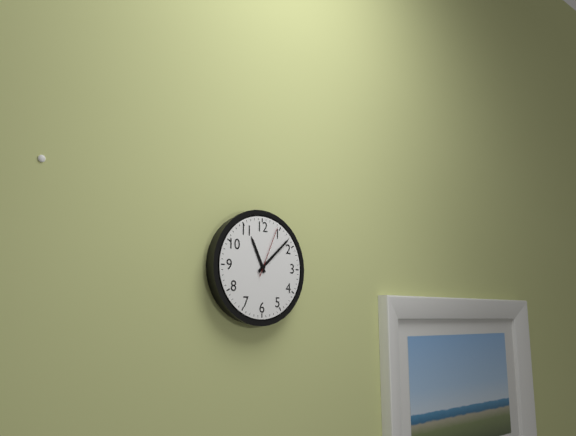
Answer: {"hour": 11, "minute": 8, "second": 4}
